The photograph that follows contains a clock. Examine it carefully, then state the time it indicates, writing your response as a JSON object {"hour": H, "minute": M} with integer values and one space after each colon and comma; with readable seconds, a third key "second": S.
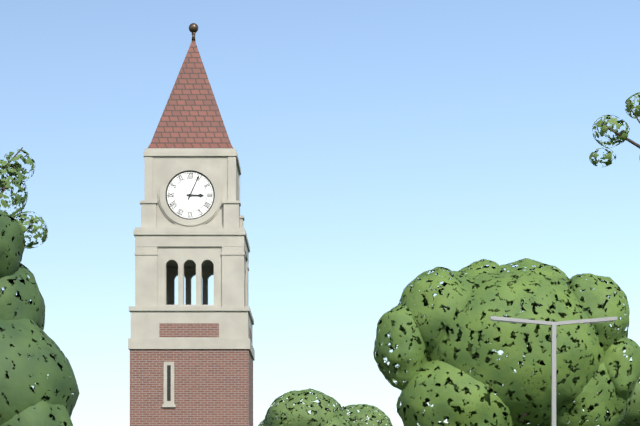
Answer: {"hour": 3, "minute": 4}
